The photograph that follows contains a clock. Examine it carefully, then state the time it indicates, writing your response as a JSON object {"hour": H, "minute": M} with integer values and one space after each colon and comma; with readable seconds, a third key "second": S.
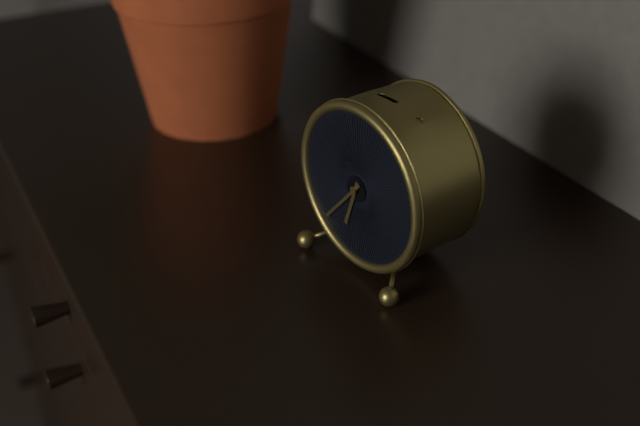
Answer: {"hour": 6, "minute": 37}
